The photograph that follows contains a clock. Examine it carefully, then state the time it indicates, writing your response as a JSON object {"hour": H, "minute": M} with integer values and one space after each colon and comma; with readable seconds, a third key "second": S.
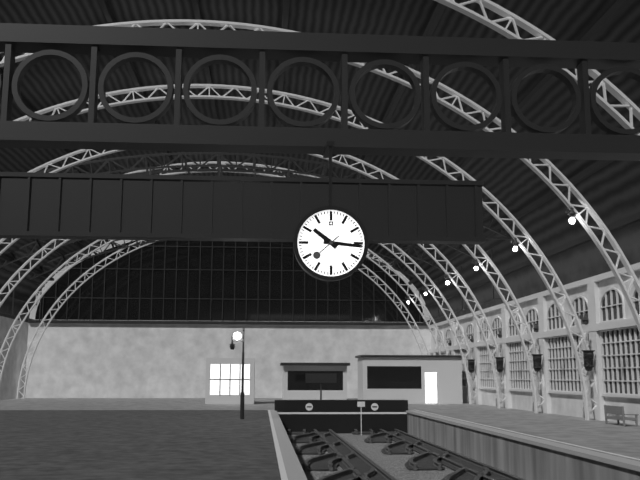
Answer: {"hour": 10, "minute": 16}
